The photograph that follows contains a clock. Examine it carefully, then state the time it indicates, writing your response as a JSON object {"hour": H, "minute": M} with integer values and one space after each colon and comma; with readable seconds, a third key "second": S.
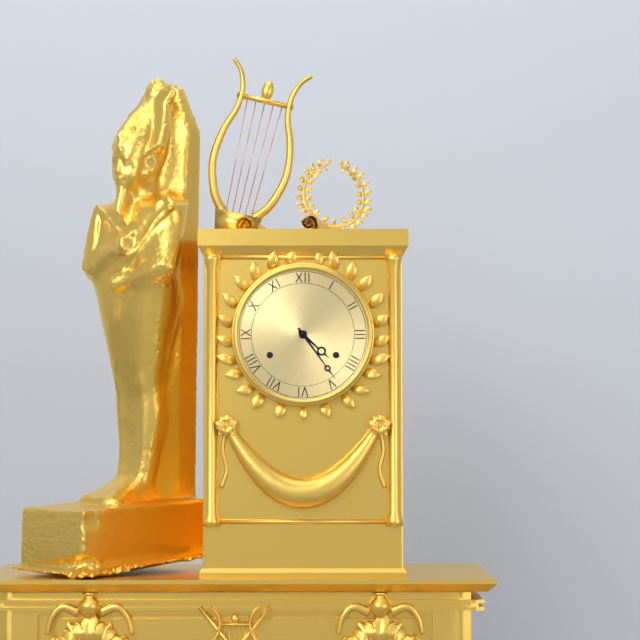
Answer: {"hour": 4, "minute": 24}
